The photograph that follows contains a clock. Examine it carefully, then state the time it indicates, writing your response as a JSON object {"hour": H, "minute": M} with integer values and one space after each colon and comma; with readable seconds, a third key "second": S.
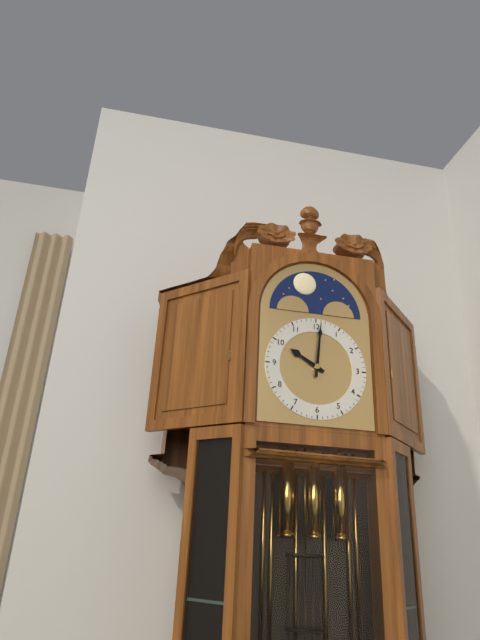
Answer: {"hour": 10, "minute": 1}
